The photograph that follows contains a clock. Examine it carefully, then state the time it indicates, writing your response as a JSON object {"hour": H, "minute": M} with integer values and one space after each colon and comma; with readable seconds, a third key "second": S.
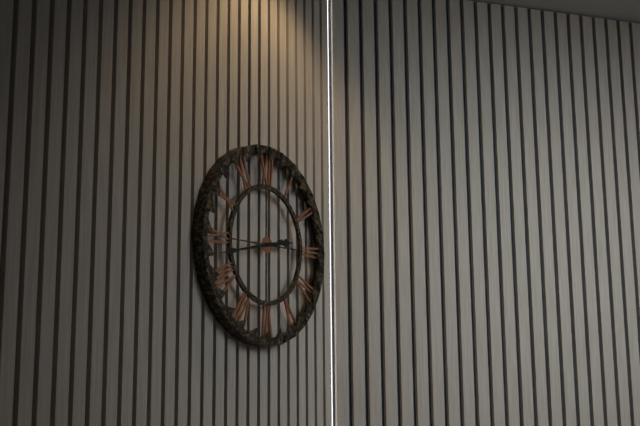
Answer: {"hour": 2, "minute": 43}
